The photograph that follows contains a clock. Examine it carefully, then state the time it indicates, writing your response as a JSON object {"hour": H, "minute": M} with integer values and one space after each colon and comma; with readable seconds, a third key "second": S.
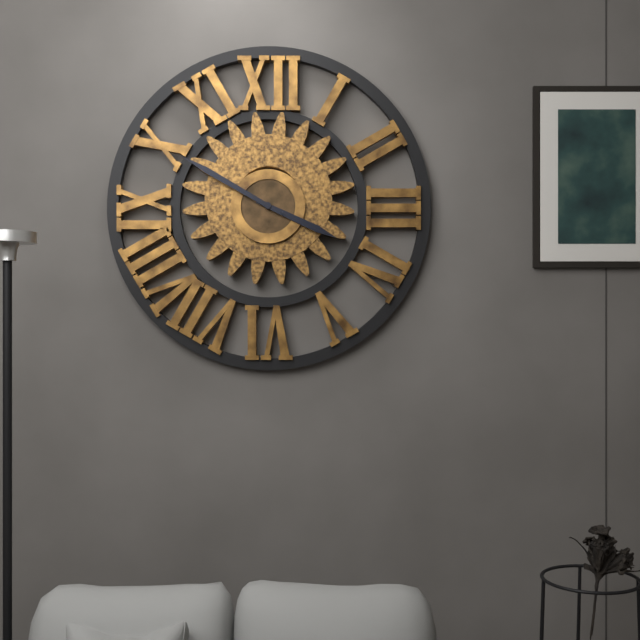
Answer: {"hour": 3, "minute": 50}
